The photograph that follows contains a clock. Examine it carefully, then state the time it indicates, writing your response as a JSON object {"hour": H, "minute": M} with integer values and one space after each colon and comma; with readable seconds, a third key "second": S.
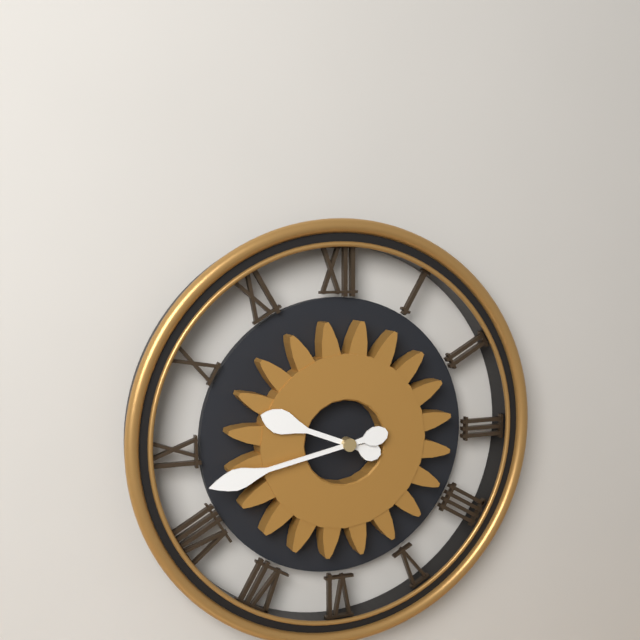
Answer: {"hour": 9, "minute": 43}
